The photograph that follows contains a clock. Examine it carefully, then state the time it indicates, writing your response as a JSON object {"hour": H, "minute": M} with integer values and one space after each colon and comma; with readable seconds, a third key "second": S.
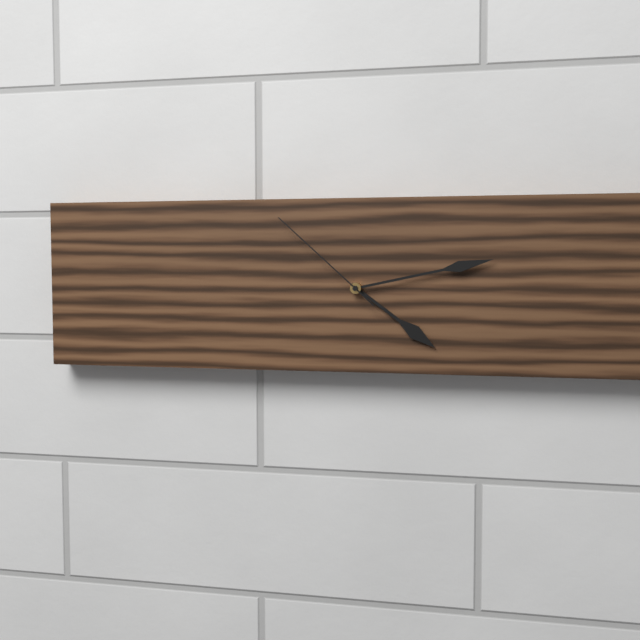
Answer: {"hour": 4, "minute": 13, "second": 52}
